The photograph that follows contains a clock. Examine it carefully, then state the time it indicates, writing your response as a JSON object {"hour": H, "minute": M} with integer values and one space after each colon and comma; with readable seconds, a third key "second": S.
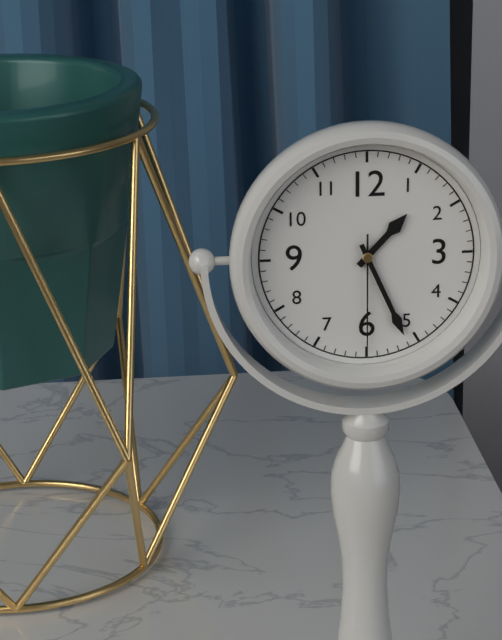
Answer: {"hour": 1, "minute": 26, "second": 30}
